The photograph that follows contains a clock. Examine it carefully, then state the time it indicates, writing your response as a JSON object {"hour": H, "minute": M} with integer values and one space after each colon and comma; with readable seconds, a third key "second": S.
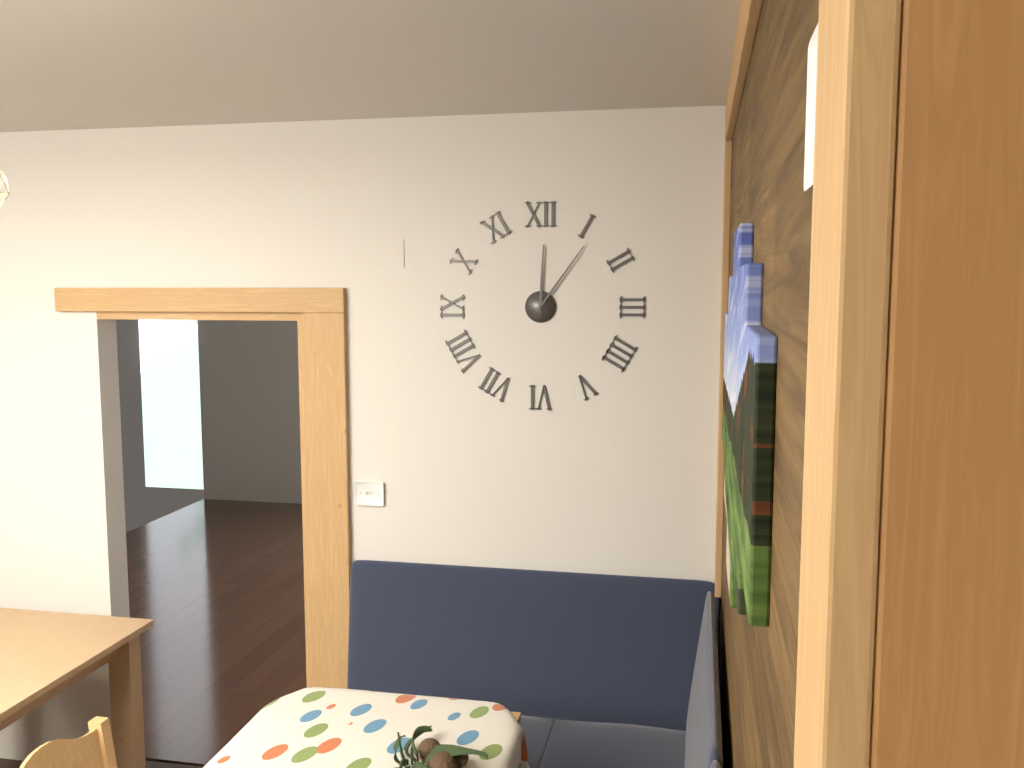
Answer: {"hour": 12, "minute": 6}
